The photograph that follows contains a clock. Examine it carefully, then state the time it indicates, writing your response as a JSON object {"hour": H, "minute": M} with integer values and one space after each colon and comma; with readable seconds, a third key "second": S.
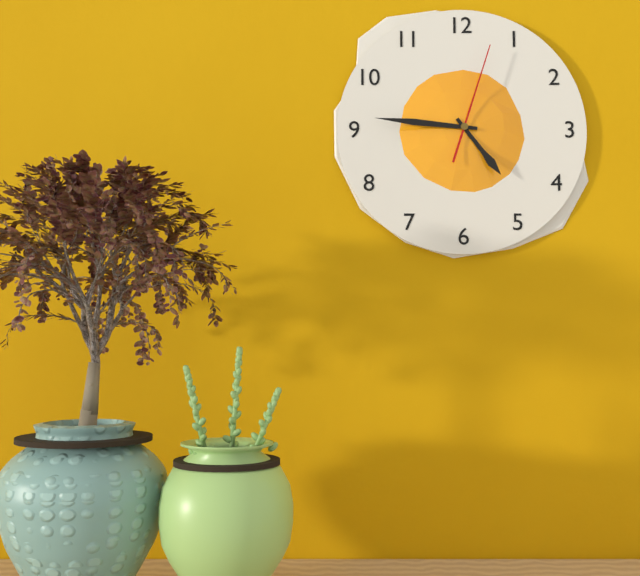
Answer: {"hour": 4, "minute": 46, "second": 3}
